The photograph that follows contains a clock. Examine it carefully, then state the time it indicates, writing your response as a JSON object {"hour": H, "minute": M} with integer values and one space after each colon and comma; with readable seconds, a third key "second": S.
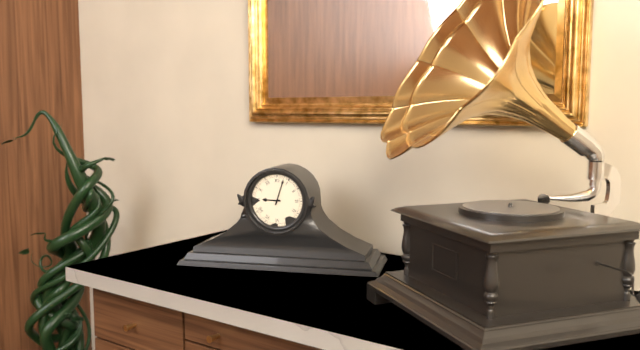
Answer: {"hour": 9, "minute": 3}
